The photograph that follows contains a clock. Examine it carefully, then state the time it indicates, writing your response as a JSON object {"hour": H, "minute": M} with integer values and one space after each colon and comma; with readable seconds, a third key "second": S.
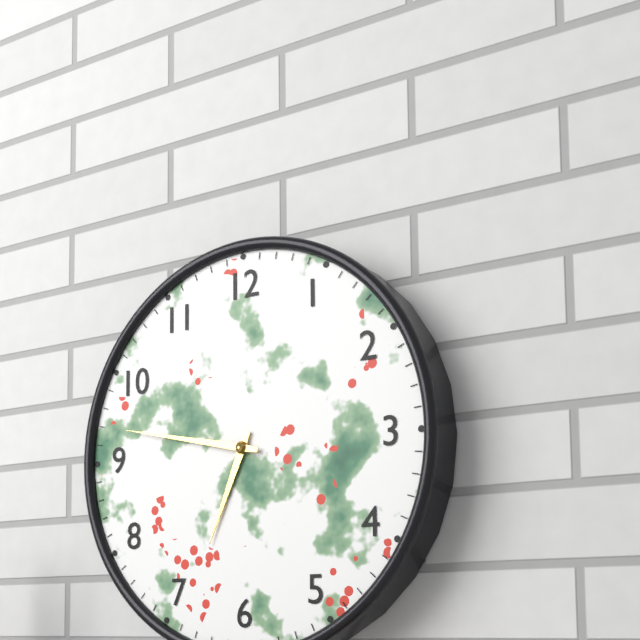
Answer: {"hour": 6, "minute": 47}
